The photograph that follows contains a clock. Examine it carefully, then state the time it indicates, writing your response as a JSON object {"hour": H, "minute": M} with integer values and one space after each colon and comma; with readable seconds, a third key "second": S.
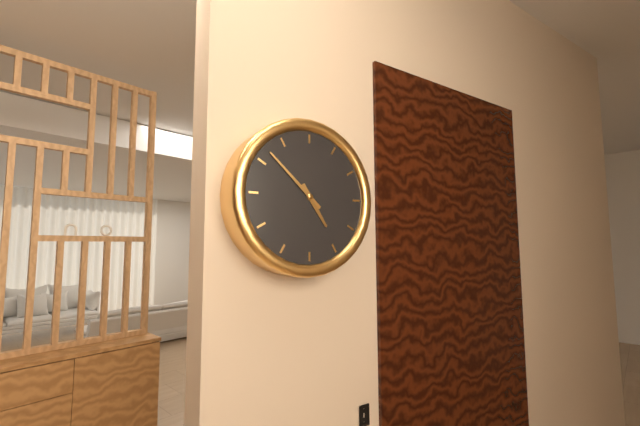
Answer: {"hour": 4, "minute": 52}
